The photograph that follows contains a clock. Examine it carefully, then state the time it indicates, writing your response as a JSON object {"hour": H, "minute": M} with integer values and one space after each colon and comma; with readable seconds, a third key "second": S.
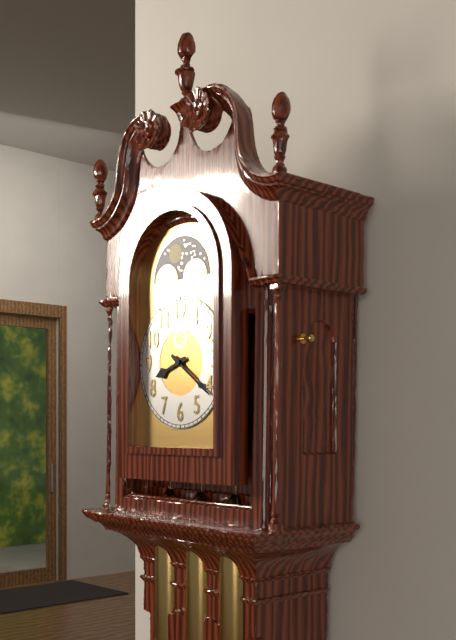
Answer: {"hour": 8, "minute": 21}
